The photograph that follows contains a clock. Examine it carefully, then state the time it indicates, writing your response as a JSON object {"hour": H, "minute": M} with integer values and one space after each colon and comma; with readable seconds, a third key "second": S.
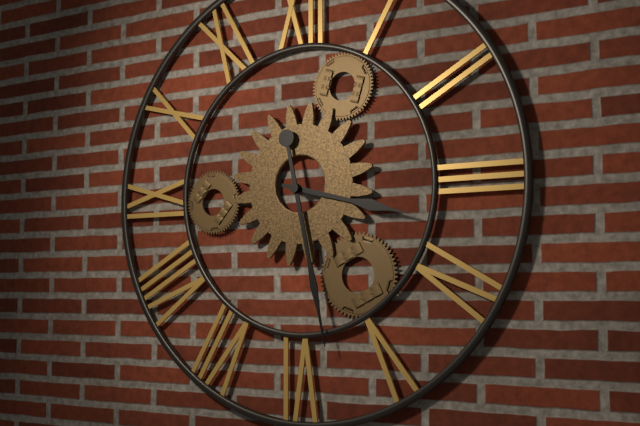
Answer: {"hour": 3, "minute": 28}
